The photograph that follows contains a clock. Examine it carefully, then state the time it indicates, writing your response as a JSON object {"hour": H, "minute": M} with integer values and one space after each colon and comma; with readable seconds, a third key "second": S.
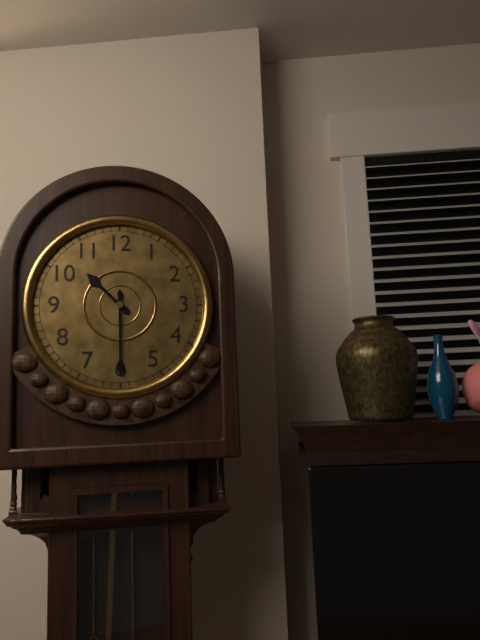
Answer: {"hour": 10, "minute": 30}
